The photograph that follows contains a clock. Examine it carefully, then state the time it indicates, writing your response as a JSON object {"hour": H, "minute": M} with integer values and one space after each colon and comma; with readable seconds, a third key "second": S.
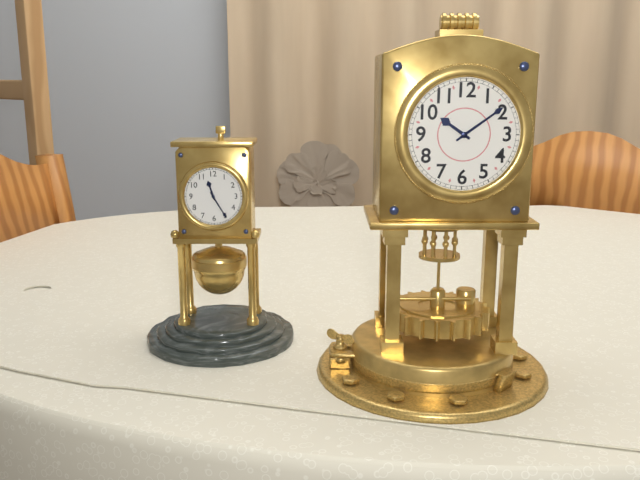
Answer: {"hour": 10, "minute": 9}
